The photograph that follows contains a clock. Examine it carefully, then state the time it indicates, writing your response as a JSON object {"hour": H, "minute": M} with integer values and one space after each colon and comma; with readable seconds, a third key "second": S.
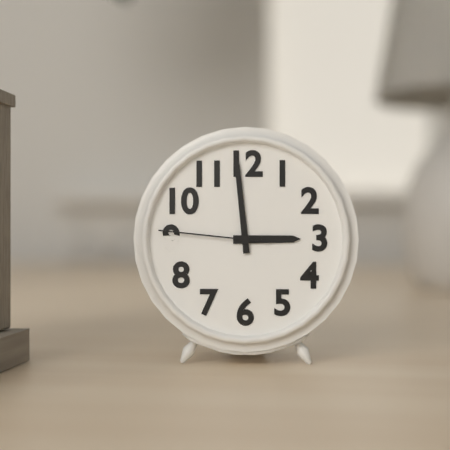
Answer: {"hour": 2, "minute": 59, "second": 46}
